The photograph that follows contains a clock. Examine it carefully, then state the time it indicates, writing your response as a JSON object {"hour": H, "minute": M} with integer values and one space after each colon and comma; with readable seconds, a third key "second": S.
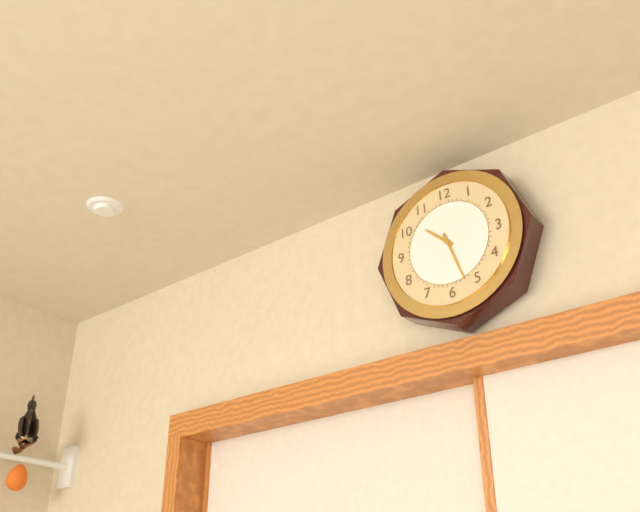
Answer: {"hour": 10, "minute": 27}
